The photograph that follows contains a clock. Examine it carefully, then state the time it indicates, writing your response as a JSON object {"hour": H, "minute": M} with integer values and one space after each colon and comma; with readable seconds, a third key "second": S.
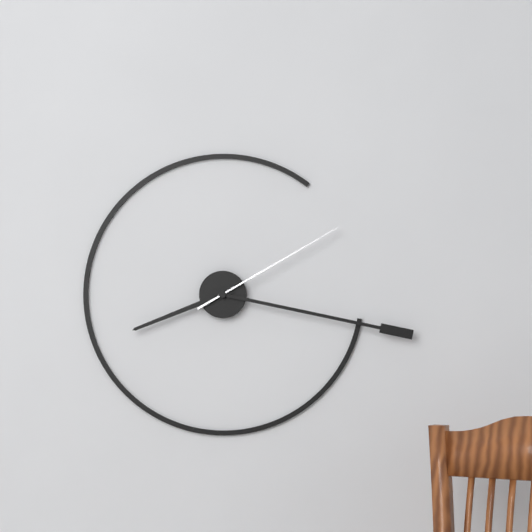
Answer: {"hour": 8, "minute": 17, "second": 10}
